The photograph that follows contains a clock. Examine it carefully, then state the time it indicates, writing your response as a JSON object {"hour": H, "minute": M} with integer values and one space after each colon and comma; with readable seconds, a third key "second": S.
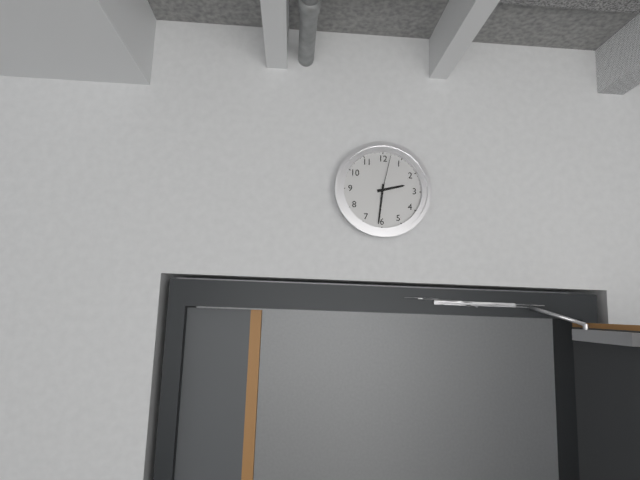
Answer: {"hour": 2, "minute": 31}
